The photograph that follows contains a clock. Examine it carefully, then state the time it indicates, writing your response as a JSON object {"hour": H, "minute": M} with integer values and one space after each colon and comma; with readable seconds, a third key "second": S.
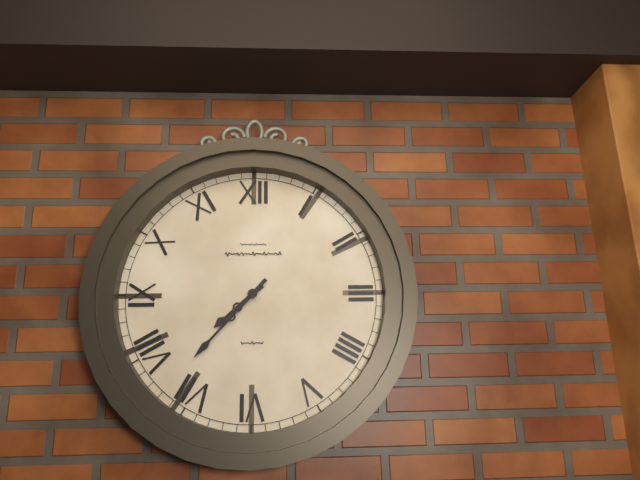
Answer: {"hour": 7, "minute": 37}
